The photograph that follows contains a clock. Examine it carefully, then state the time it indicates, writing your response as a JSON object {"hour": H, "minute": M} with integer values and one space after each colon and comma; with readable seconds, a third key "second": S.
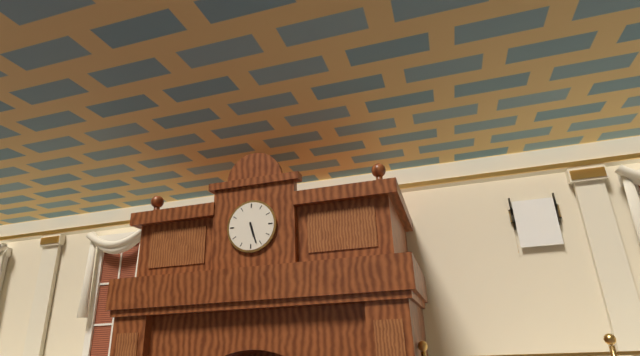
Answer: {"hour": 5, "minute": 27}
